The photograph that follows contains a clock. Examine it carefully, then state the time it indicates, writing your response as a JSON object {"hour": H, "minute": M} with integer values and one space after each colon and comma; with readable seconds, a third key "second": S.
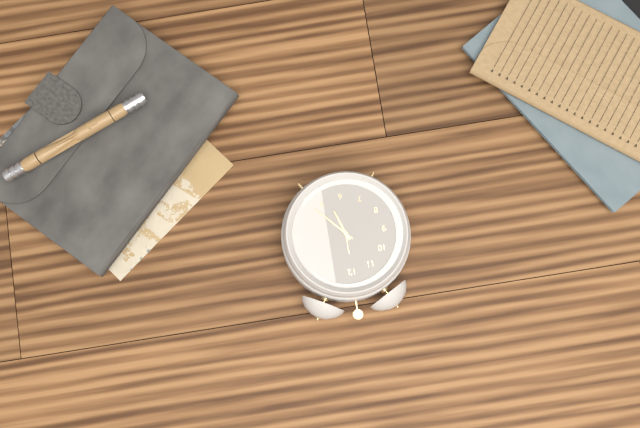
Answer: {"hour": 5, "minute": 23}
